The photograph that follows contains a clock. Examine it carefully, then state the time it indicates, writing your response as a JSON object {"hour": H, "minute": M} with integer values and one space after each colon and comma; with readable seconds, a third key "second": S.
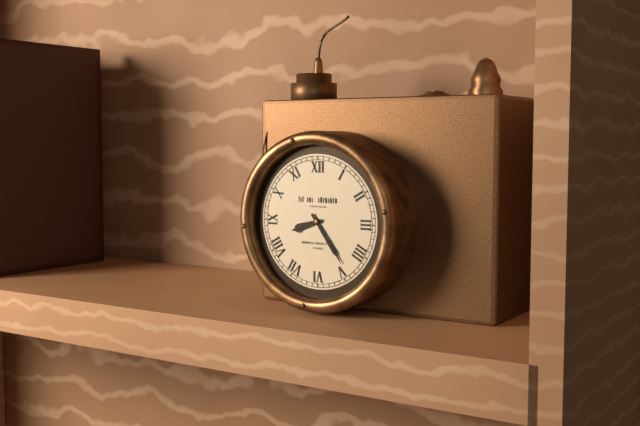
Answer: {"hour": 8, "minute": 24}
